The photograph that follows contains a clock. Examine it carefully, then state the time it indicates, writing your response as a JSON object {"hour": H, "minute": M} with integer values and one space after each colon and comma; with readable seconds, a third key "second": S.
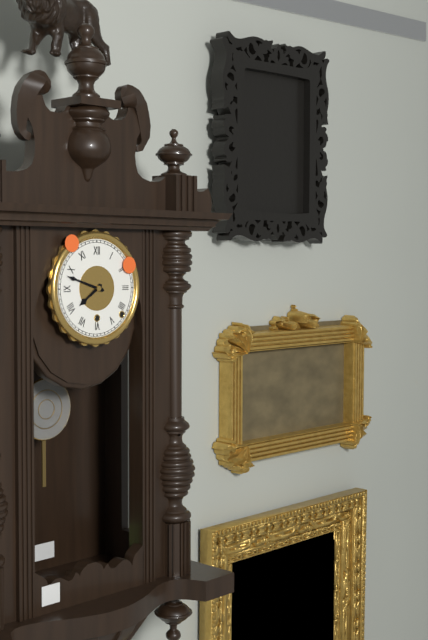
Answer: {"hour": 7, "minute": 48}
